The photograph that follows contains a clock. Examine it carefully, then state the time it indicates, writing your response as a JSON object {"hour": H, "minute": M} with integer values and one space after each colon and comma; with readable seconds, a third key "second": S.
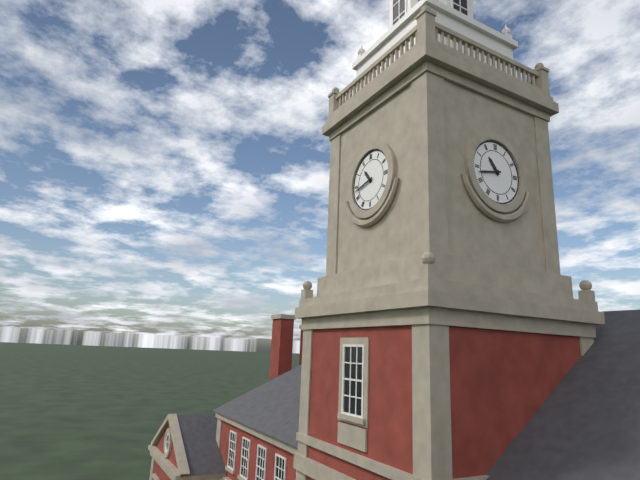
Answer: {"hour": 10, "minute": 43}
